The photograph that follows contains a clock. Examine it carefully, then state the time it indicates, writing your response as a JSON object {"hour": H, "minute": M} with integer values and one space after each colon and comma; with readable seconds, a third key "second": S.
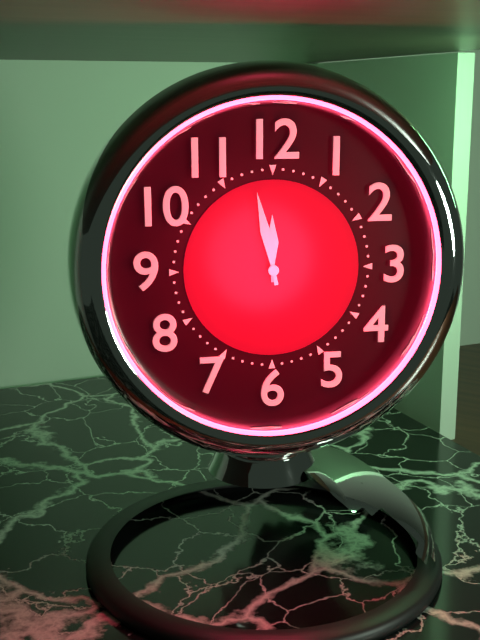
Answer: {"hour": 11, "minute": 58}
